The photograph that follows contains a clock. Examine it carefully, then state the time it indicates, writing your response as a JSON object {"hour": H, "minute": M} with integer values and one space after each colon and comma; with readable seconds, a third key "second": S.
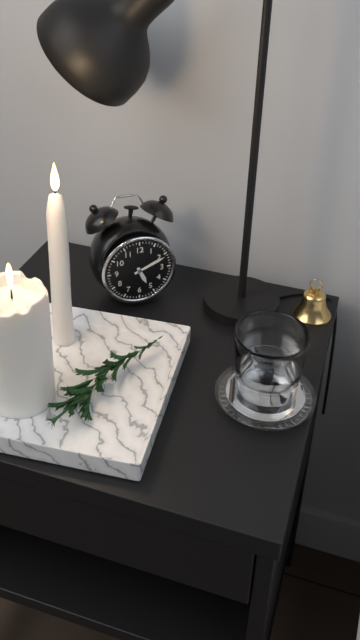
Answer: {"hour": 5, "minute": 11}
